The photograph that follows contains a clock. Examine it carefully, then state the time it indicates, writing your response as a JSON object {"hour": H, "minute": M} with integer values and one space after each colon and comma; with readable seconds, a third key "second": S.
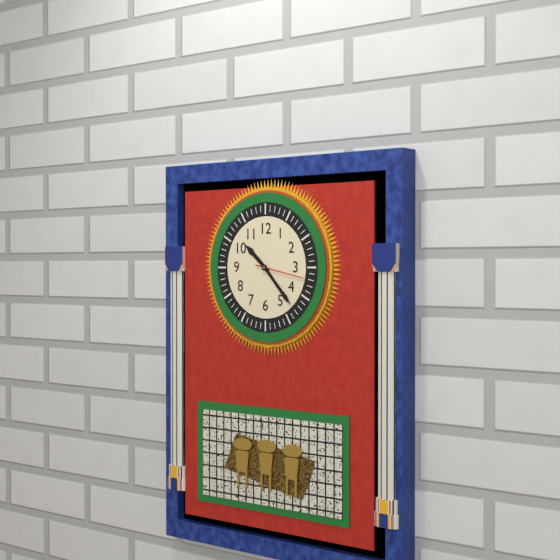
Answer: {"hour": 10, "minute": 23, "second": 17}
